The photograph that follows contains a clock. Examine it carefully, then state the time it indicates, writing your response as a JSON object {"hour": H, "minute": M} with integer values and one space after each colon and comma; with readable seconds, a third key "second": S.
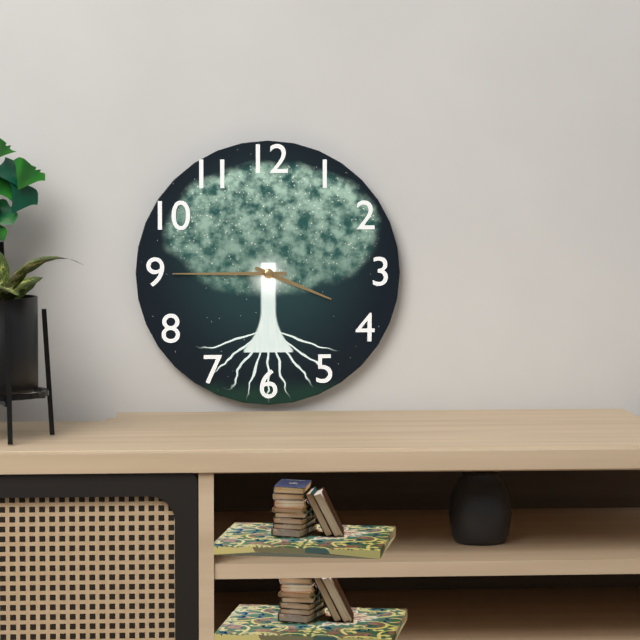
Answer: {"hour": 3, "minute": 45}
